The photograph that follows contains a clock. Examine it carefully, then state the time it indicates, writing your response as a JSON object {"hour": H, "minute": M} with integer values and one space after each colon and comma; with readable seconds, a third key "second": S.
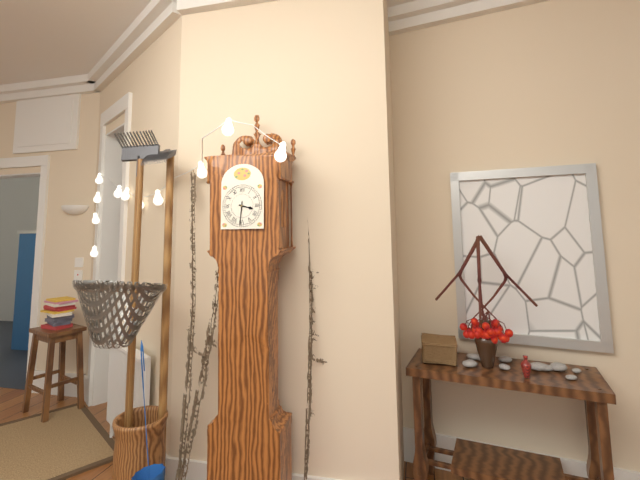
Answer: {"hour": 3, "minute": 31}
